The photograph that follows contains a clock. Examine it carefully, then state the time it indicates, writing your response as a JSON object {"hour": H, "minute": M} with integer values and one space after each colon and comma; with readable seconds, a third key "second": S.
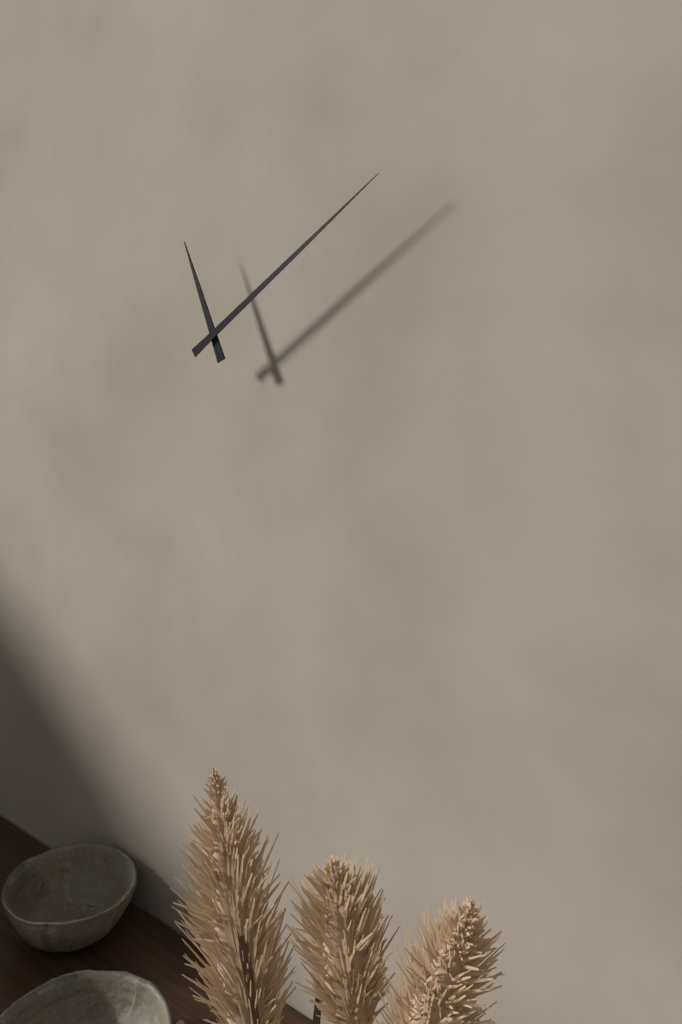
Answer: {"hour": 11, "minute": 9}
